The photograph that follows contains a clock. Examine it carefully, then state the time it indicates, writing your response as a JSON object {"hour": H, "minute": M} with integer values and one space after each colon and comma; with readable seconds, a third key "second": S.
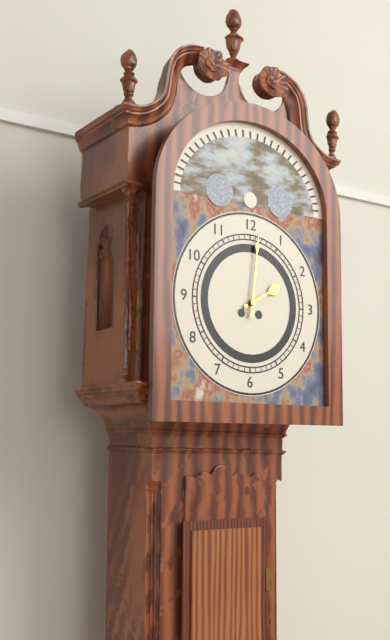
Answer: {"hour": 2, "minute": 1}
